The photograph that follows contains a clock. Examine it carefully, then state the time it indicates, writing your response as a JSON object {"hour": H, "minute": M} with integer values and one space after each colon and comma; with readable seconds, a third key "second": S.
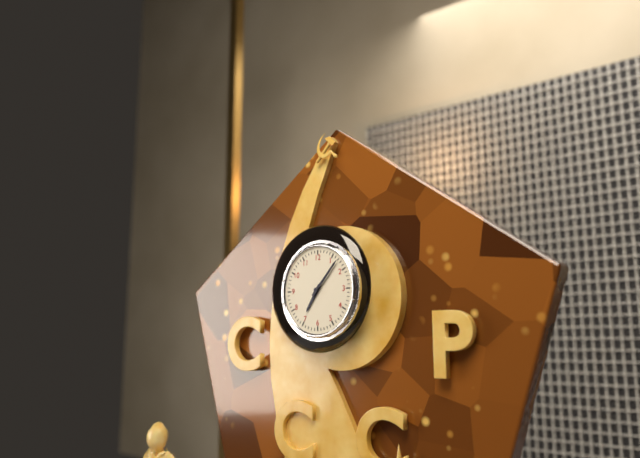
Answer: {"hour": 7, "minute": 7}
